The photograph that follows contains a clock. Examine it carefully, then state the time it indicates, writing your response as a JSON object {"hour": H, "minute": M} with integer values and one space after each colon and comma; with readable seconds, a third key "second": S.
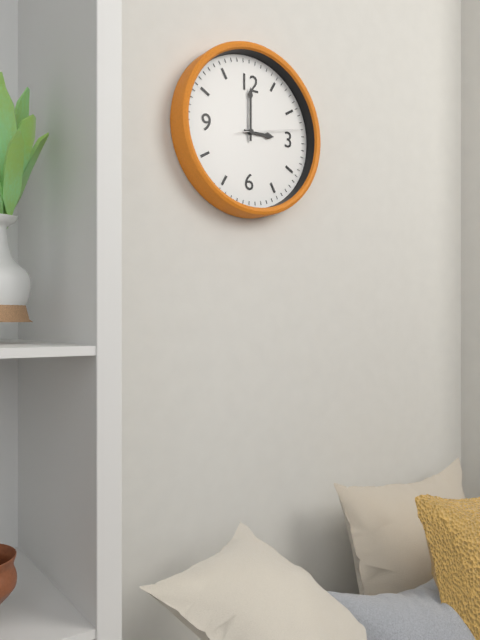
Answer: {"hour": 3, "minute": 0, "second": 13}
